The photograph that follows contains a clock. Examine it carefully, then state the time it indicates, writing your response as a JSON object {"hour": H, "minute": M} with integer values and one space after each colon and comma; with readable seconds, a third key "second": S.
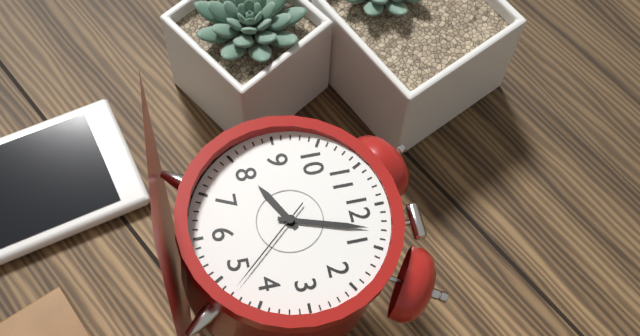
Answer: {"hour": 8, "minute": 3, "second": 23}
